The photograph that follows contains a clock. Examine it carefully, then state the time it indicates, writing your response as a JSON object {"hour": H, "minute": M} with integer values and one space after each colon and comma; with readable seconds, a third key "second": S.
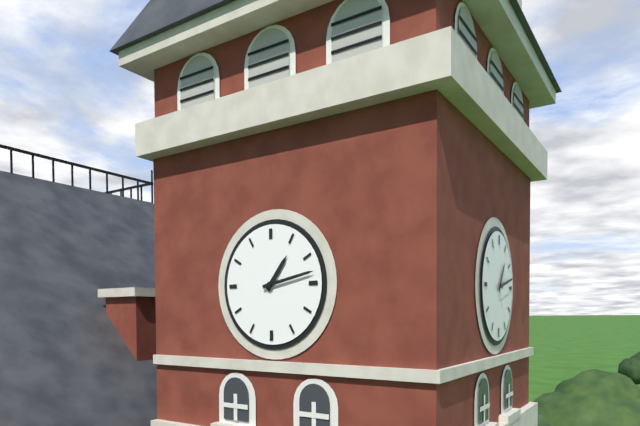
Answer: {"hour": 1, "minute": 13}
